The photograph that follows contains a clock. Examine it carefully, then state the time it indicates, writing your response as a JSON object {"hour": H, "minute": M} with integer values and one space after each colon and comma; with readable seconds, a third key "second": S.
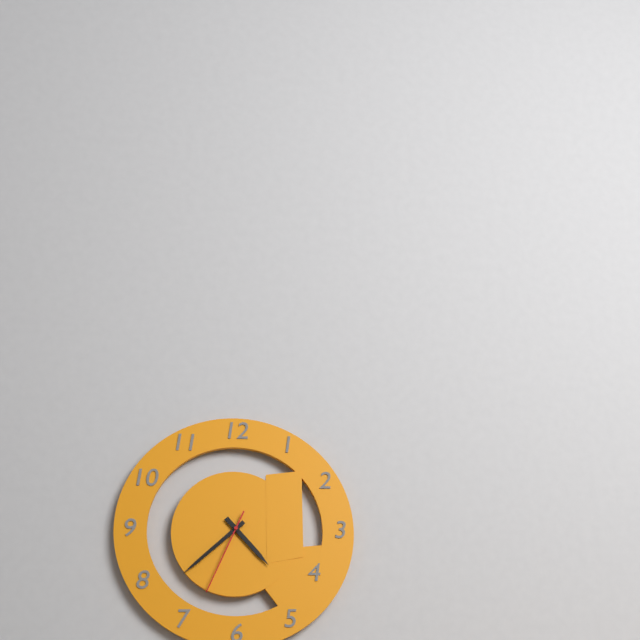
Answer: {"hour": 4, "minute": 38, "second": 34}
